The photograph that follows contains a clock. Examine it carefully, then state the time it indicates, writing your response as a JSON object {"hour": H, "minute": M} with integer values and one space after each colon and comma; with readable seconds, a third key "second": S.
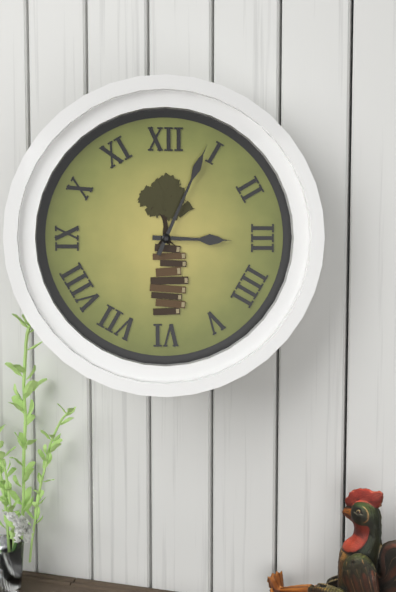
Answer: {"hour": 3, "minute": 4}
